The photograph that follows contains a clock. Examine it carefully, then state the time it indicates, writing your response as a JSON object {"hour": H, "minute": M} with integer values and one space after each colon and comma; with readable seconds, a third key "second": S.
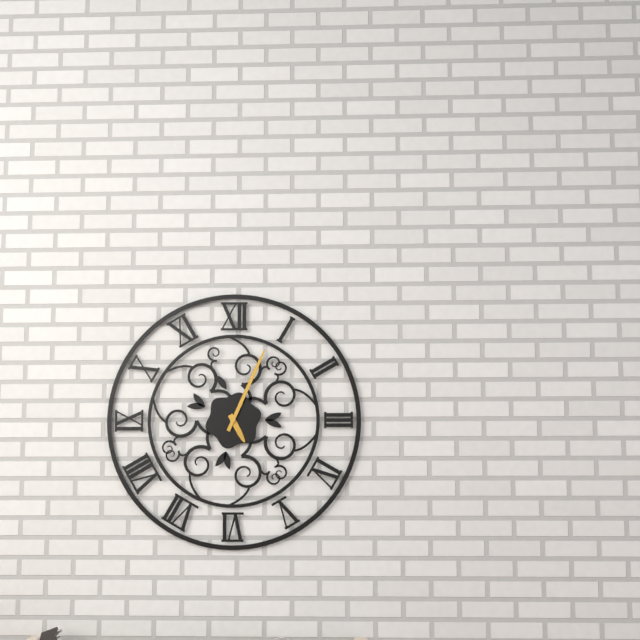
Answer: {"hour": 5, "minute": 4}
